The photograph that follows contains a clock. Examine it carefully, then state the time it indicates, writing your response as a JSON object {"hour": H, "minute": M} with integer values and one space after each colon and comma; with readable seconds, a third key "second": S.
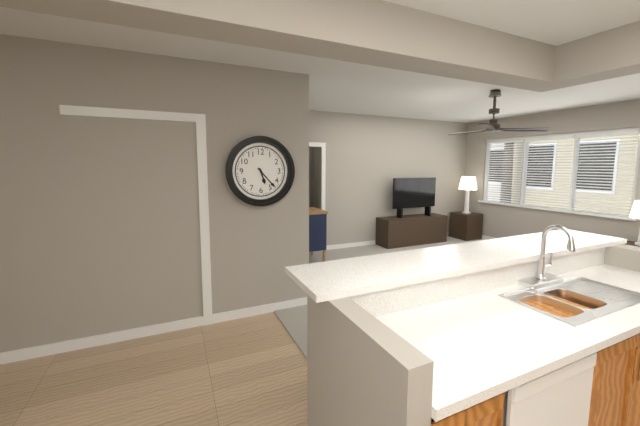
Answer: {"hour": 5, "minute": 23}
